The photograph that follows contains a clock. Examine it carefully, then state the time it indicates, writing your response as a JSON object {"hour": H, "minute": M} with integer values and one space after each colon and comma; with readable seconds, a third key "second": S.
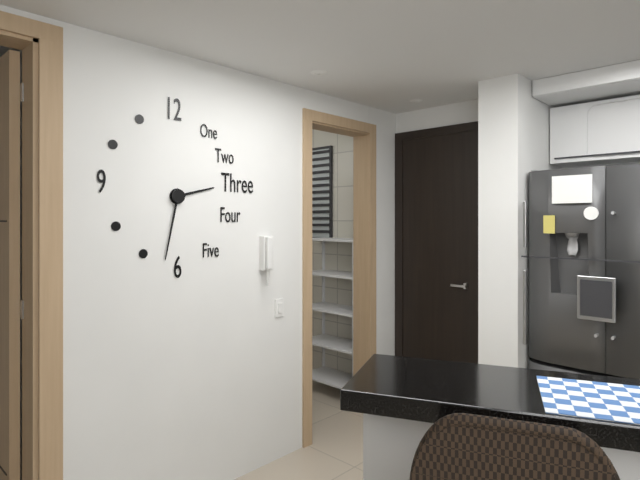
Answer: {"hour": 2, "minute": 32}
